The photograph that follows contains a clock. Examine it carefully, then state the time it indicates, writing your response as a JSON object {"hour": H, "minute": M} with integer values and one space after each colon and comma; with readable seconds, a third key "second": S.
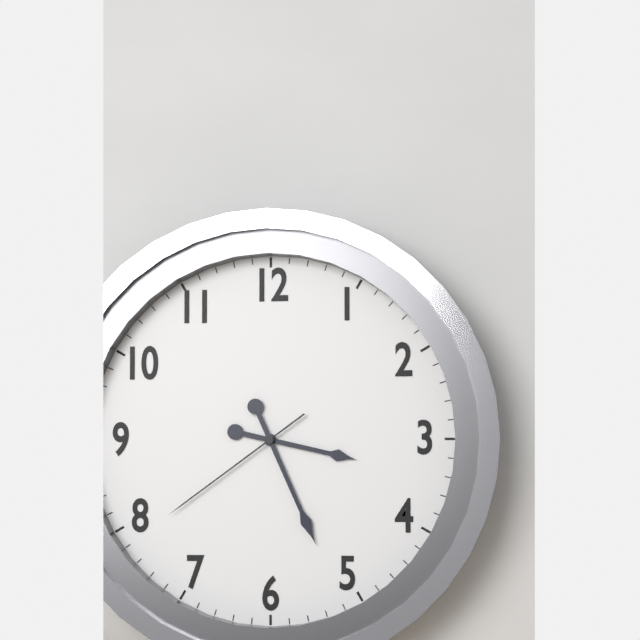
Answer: {"hour": 3, "minute": 26, "second": 39}
